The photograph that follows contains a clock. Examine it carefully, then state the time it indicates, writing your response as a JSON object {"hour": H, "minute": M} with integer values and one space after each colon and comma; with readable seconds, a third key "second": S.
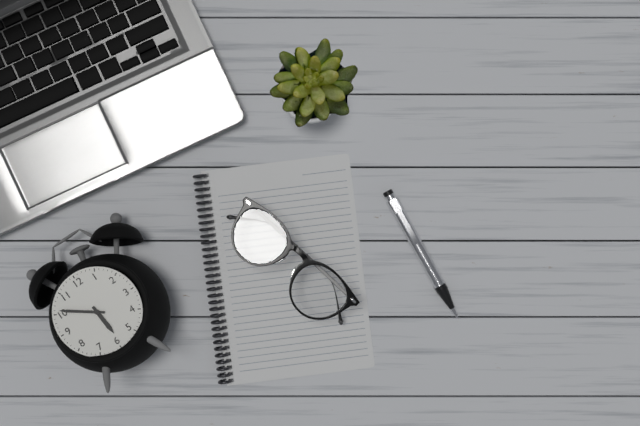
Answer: {"hour": 5, "minute": 51}
